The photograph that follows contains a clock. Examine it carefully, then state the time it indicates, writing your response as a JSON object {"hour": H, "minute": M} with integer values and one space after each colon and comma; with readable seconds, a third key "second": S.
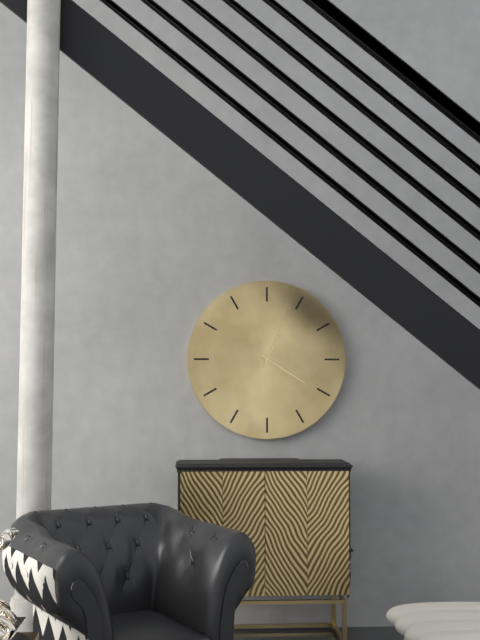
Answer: {"hour": 4, "minute": 4}
